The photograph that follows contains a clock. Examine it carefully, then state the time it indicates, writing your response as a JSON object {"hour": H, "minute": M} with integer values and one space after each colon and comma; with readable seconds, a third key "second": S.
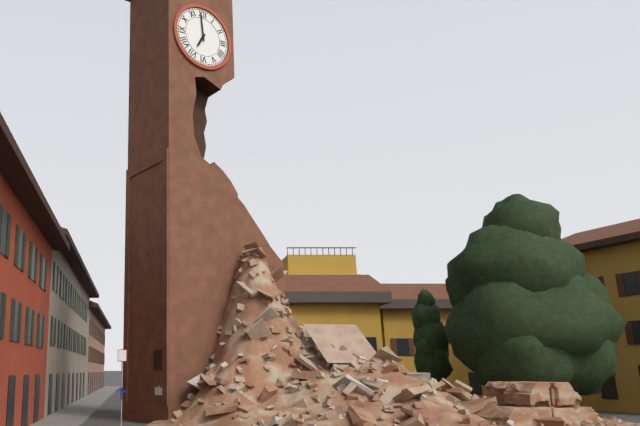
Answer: {"hour": 6, "minute": 59}
